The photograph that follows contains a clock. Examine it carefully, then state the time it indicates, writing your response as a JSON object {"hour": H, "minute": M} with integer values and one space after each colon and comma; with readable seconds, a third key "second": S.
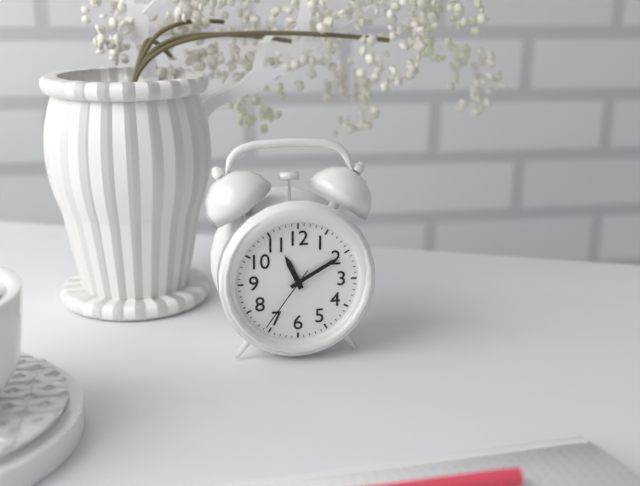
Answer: {"hour": 11, "minute": 10, "second": 36}
